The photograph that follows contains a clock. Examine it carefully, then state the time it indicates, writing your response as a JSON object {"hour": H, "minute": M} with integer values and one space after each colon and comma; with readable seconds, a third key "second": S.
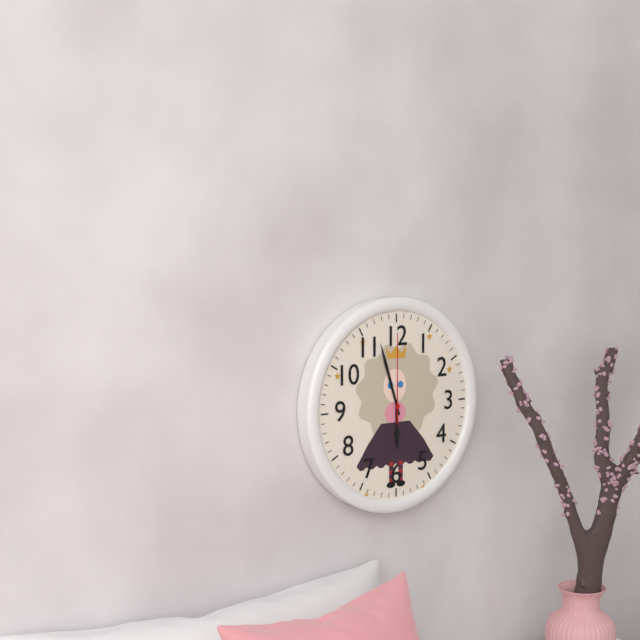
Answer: {"hour": 5, "minute": 57, "second": 0}
